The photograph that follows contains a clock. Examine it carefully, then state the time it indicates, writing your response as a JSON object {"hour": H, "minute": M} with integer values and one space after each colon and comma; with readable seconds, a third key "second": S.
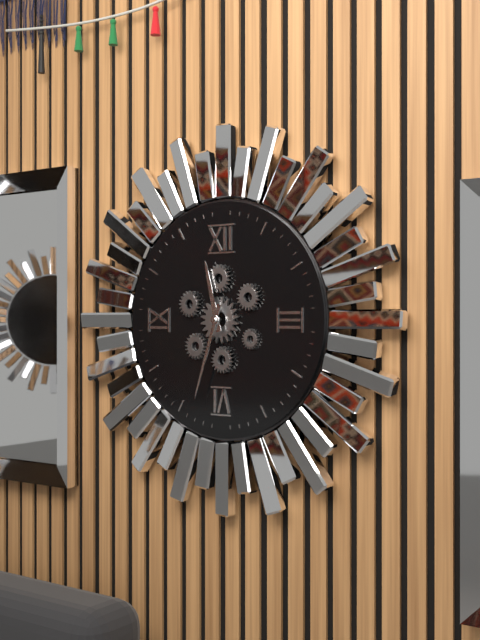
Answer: {"hour": 11, "minute": 33}
